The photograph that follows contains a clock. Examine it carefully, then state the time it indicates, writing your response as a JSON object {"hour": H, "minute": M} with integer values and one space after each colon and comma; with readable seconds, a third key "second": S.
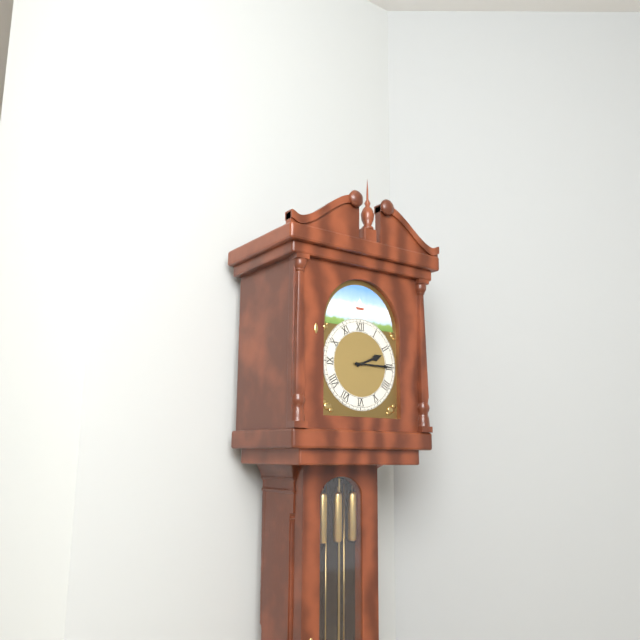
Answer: {"hour": 2, "minute": 15}
